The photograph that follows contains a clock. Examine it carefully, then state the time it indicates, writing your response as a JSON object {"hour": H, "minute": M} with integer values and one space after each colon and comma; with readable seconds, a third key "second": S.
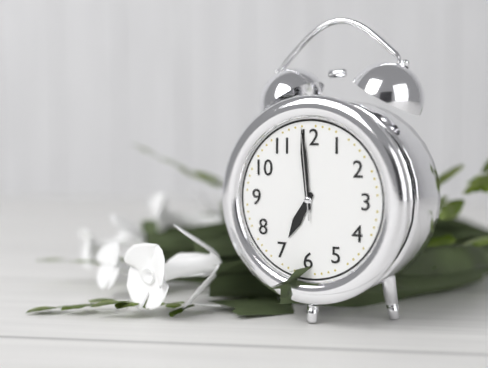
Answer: {"hour": 6, "minute": 59, "second": 59}
